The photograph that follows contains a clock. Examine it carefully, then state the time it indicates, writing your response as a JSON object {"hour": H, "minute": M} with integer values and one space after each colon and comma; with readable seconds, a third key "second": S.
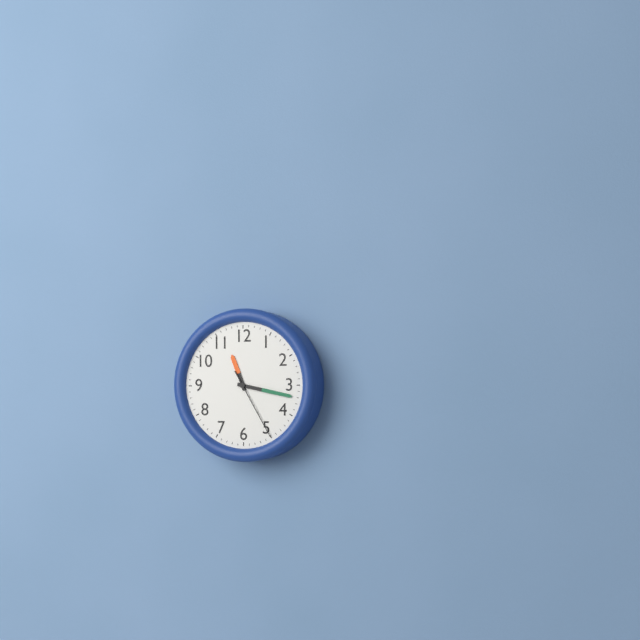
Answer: {"hour": 11, "minute": 17, "second": 25}
